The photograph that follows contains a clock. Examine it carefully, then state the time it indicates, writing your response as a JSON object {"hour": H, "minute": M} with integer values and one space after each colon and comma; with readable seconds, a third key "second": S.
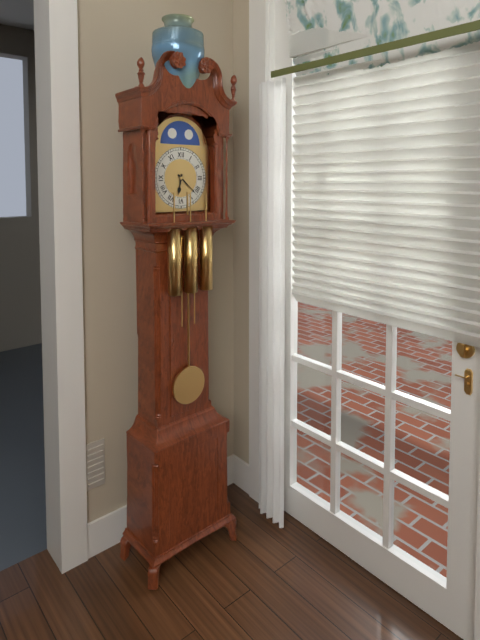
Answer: {"hour": 6, "minute": 22}
